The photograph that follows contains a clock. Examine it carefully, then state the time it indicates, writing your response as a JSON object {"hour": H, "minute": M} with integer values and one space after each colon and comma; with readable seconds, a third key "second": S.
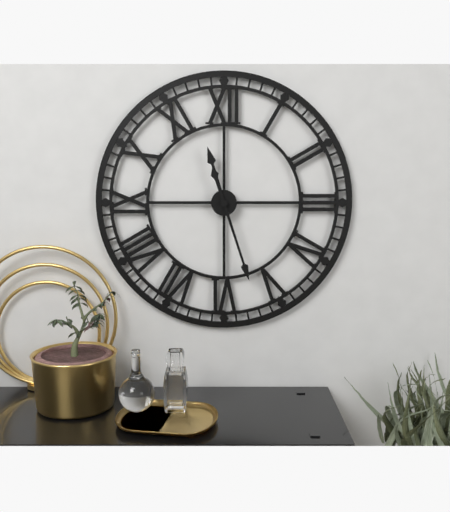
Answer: {"hour": 11, "minute": 27}
